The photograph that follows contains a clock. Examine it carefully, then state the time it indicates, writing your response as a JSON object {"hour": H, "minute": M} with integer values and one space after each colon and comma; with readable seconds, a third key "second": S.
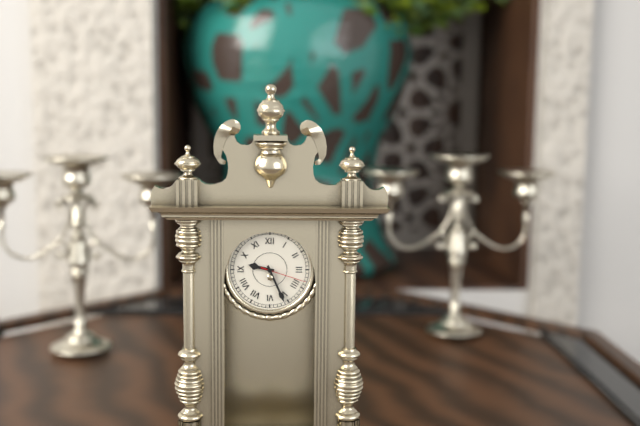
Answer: {"hour": 9, "minute": 26}
